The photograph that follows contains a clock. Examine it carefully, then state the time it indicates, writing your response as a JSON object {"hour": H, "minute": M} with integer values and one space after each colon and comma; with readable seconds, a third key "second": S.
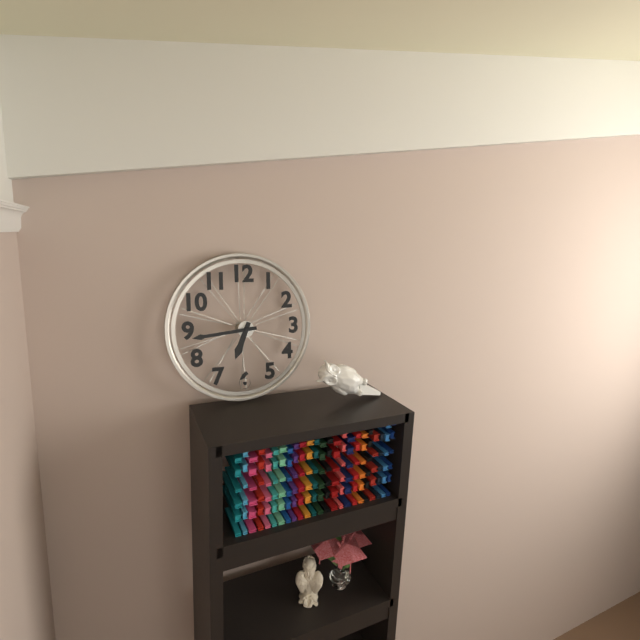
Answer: {"hour": 6, "minute": 44}
